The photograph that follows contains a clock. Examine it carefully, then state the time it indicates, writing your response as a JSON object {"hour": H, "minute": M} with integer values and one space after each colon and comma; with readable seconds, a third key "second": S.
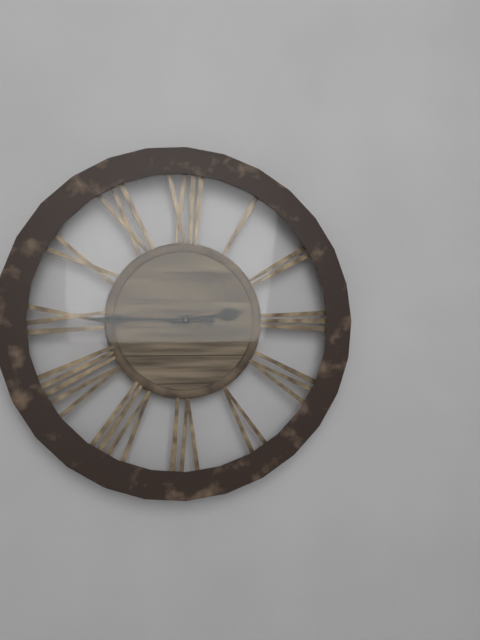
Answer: {"hour": 2, "minute": 45}
